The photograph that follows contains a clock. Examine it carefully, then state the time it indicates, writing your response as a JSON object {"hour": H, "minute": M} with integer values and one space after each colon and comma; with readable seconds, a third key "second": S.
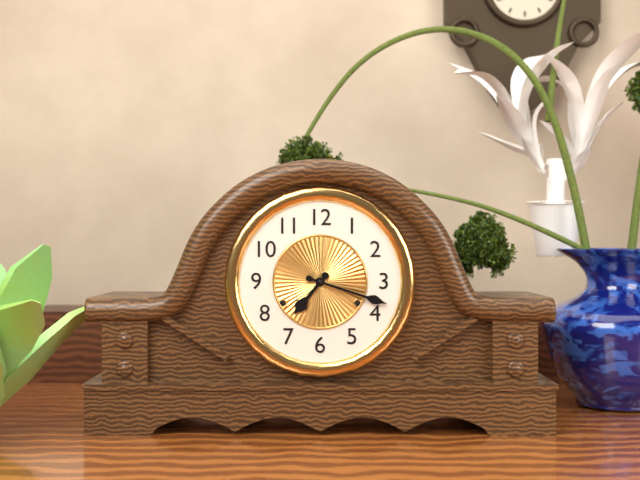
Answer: {"hour": 7, "minute": 18}
